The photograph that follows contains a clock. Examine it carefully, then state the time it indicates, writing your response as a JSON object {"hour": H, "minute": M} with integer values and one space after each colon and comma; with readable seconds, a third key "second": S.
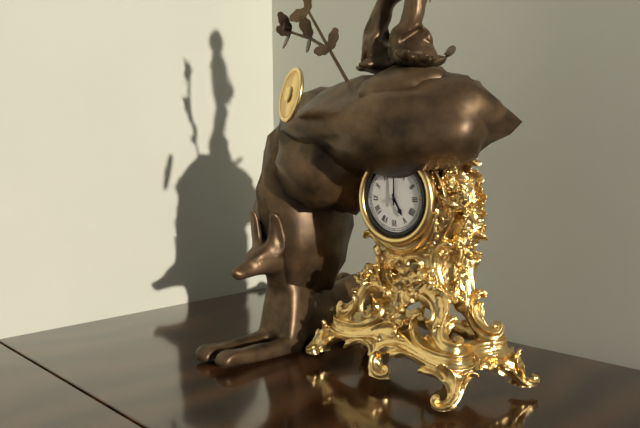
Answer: {"hour": 5, "minute": 0}
